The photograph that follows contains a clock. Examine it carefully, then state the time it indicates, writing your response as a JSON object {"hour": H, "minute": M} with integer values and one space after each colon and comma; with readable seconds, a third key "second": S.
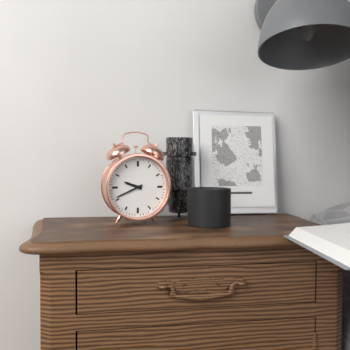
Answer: {"hour": 9, "minute": 41}
